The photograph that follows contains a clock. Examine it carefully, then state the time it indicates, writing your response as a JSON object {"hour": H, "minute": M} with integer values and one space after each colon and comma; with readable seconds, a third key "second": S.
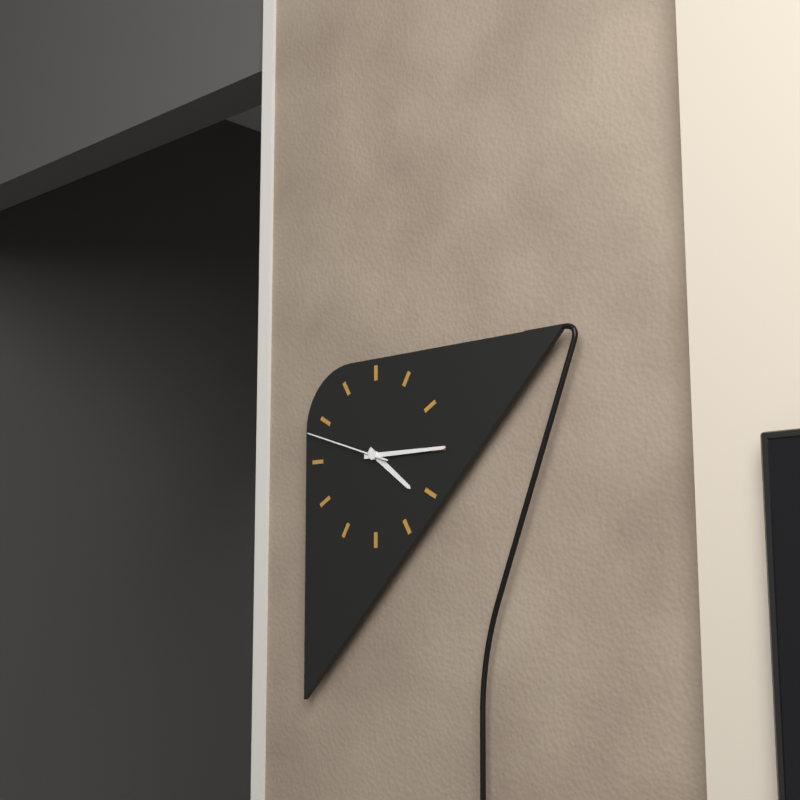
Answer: {"hour": 4, "minute": 15, "second": 48}
